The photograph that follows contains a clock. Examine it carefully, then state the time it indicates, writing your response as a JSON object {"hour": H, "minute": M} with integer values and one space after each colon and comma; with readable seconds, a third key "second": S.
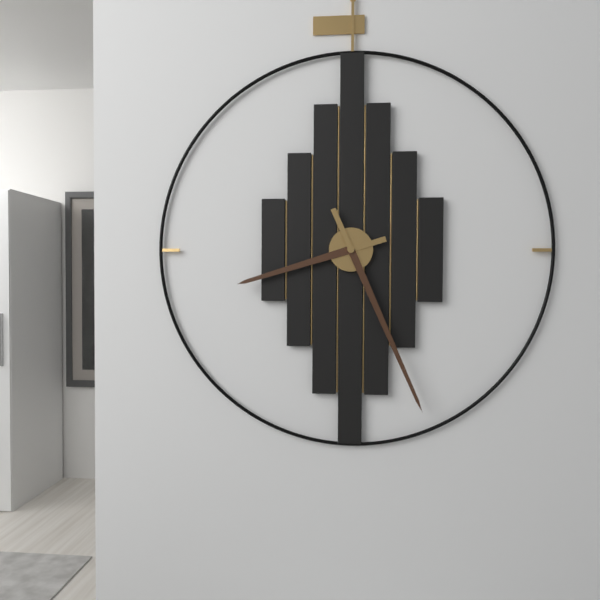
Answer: {"hour": 8, "minute": 26}
